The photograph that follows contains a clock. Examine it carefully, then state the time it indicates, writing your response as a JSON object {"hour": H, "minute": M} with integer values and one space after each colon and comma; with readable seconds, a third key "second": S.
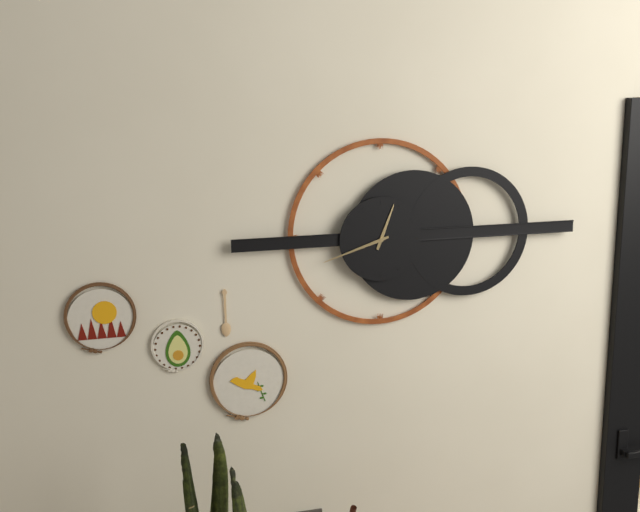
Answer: {"hour": 12, "minute": 42}
